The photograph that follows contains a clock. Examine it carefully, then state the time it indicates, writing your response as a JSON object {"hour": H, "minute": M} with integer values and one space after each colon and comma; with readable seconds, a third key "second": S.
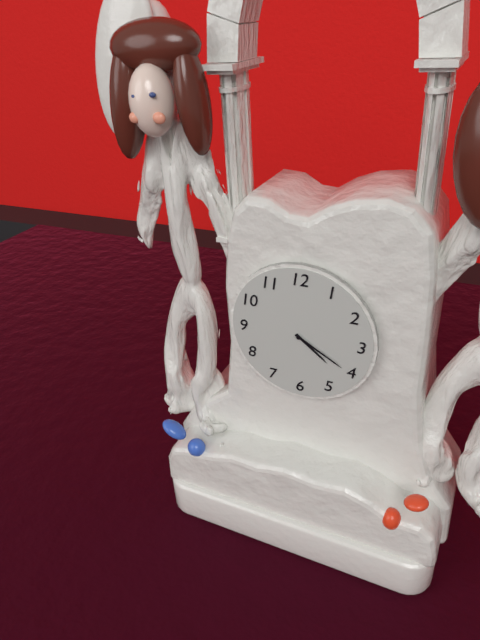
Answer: {"hour": 4, "minute": 20}
